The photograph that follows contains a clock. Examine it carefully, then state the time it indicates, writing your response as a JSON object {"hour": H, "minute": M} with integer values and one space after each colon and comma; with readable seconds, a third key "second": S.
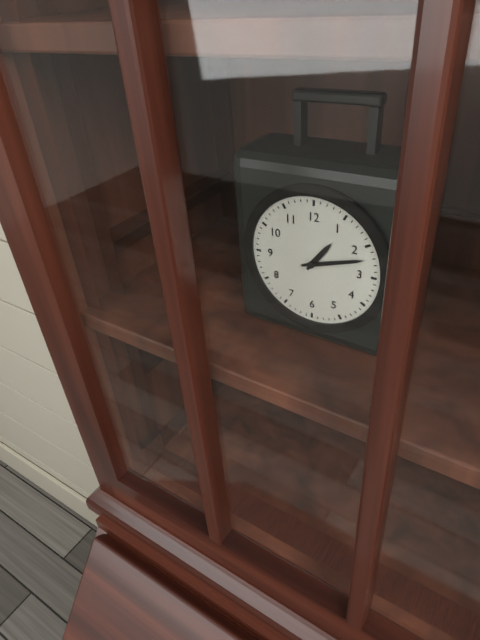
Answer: {"hour": 1, "minute": 12}
